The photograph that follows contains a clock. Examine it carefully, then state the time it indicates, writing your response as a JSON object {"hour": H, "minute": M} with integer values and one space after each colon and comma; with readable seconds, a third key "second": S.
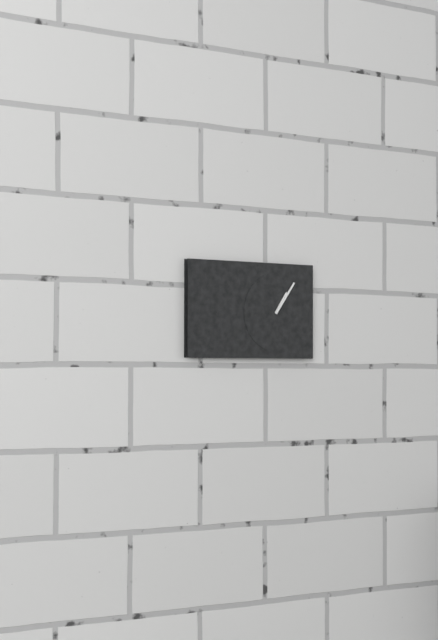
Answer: {"hour": 1, "minute": 6}
